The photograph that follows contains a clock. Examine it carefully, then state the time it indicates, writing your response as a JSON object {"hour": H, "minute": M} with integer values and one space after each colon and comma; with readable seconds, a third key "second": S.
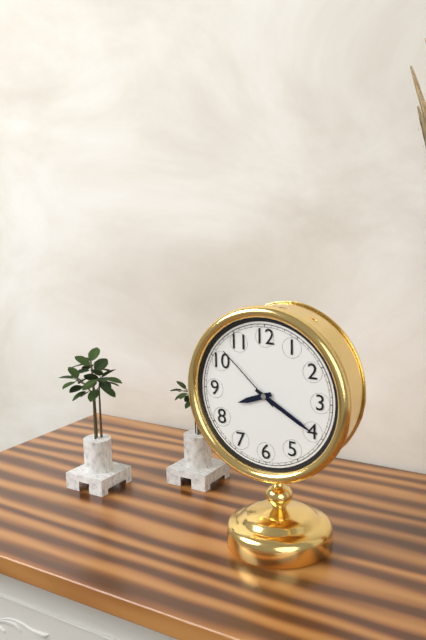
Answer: {"hour": 8, "minute": 20, "second": 52}
